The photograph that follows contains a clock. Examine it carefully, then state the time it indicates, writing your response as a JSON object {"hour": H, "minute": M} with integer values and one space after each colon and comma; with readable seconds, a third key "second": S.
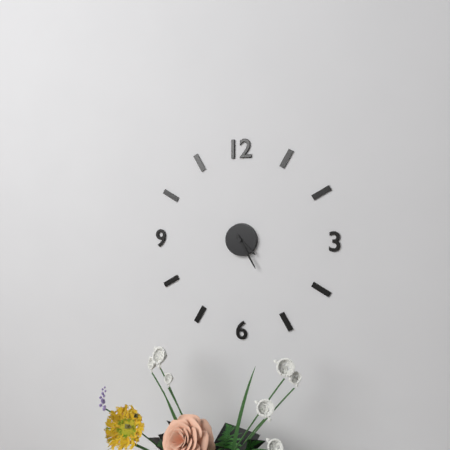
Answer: {"hour": 4, "minute": 25}
